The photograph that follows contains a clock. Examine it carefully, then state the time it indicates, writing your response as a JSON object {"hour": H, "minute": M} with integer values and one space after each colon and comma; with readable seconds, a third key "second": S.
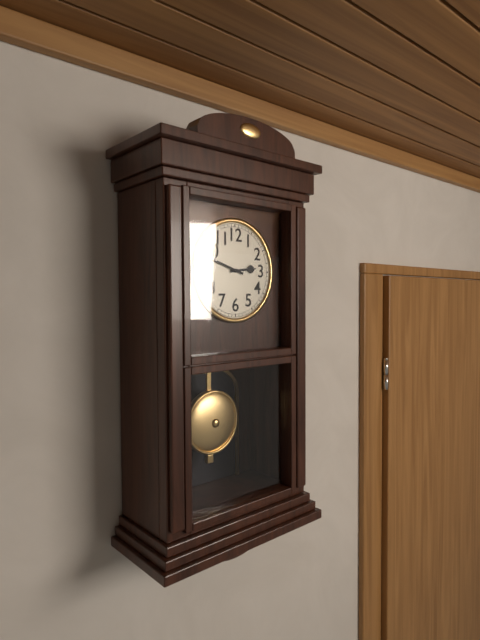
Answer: {"hour": 2, "minute": 48}
